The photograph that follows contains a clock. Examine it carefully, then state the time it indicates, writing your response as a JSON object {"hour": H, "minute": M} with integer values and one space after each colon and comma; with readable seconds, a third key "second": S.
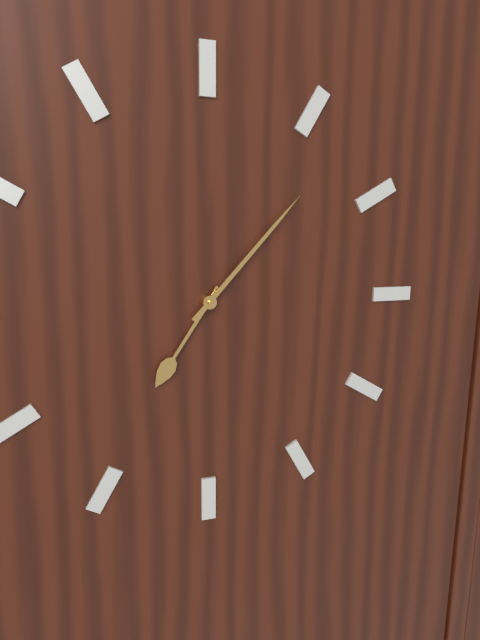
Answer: {"hour": 7, "minute": 7}
